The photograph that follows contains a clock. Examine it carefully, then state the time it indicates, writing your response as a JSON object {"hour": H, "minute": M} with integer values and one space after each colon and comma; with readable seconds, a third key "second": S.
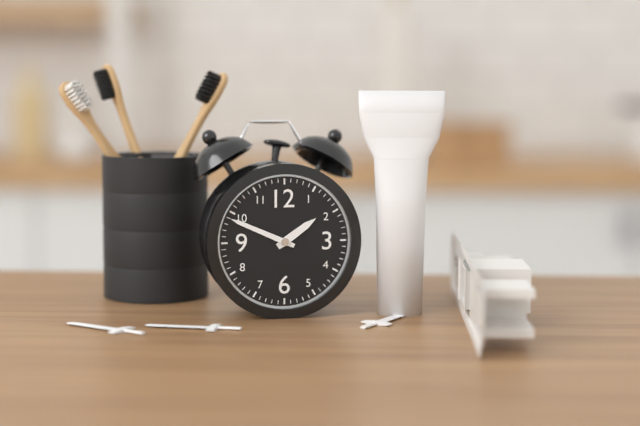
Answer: {"hour": 1, "minute": 49}
